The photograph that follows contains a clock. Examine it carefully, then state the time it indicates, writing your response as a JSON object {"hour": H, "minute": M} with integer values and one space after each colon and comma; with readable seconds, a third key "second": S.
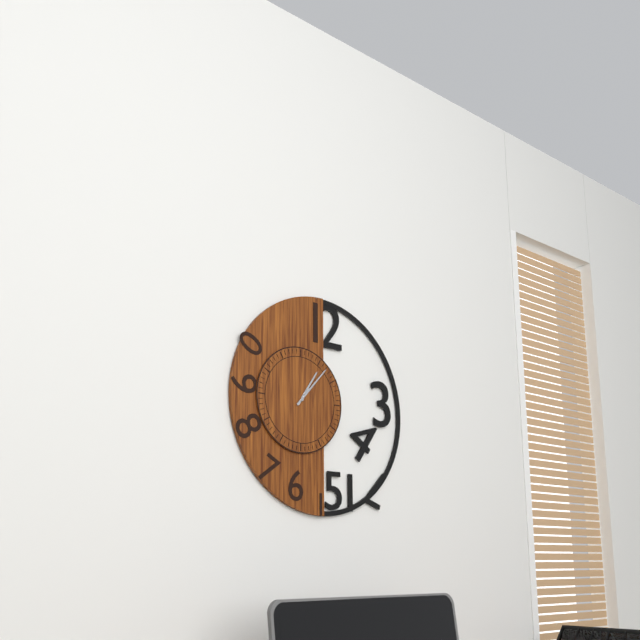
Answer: {"hour": 1, "minute": 7}
